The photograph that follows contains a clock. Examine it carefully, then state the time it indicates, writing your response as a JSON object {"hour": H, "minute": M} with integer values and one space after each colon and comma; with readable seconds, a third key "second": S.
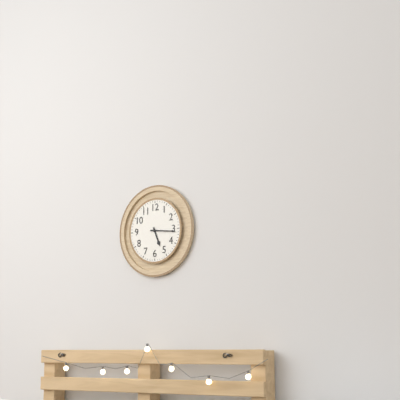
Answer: {"hour": 5, "minute": 16}
